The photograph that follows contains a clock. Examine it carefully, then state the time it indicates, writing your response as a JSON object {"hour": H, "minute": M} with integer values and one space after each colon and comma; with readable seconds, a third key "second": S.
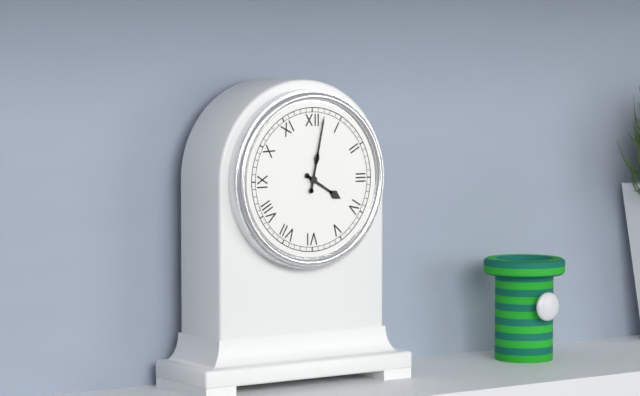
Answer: {"hour": 4, "minute": 2}
